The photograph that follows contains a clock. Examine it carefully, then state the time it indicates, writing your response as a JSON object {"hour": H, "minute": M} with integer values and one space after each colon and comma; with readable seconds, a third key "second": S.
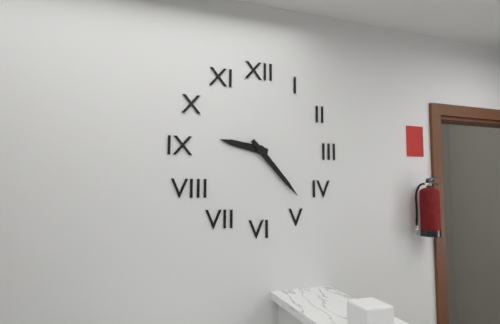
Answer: {"hour": 9, "minute": 23}
